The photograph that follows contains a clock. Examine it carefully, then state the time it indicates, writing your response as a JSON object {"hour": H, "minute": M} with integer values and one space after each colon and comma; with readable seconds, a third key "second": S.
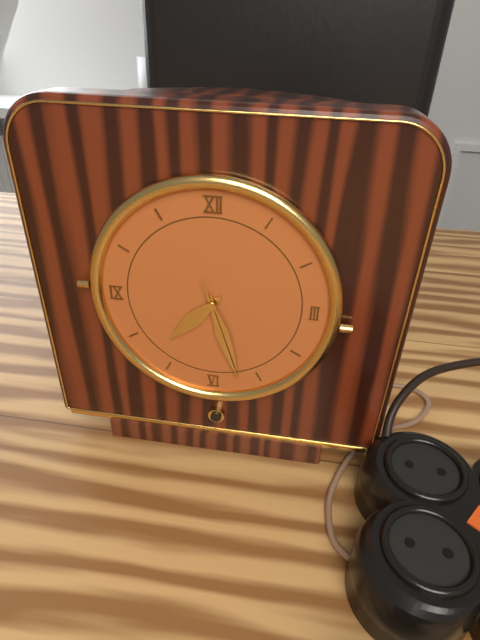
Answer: {"hour": 7, "minute": 27, "second": 27}
